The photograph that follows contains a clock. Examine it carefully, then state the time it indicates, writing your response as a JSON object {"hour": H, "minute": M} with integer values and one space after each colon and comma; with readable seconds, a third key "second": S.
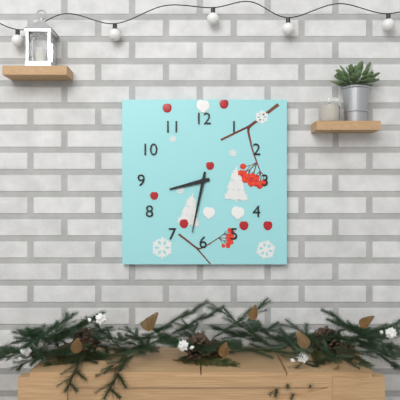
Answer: {"hour": 8, "minute": 32}
